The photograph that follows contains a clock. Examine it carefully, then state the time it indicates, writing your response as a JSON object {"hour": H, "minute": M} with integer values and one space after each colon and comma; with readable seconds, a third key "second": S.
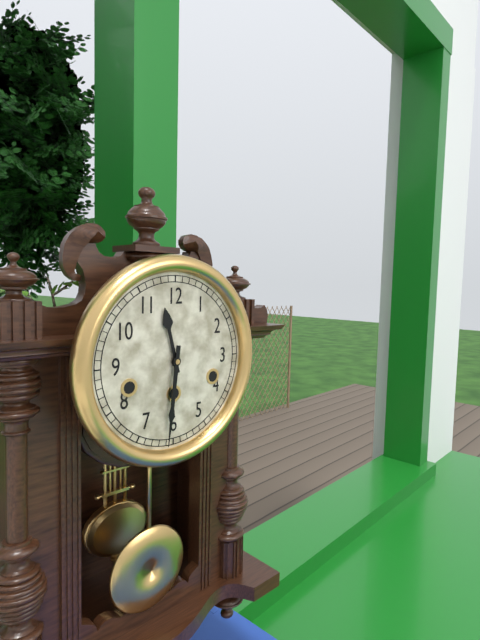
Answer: {"hour": 11, "minute": 31}
